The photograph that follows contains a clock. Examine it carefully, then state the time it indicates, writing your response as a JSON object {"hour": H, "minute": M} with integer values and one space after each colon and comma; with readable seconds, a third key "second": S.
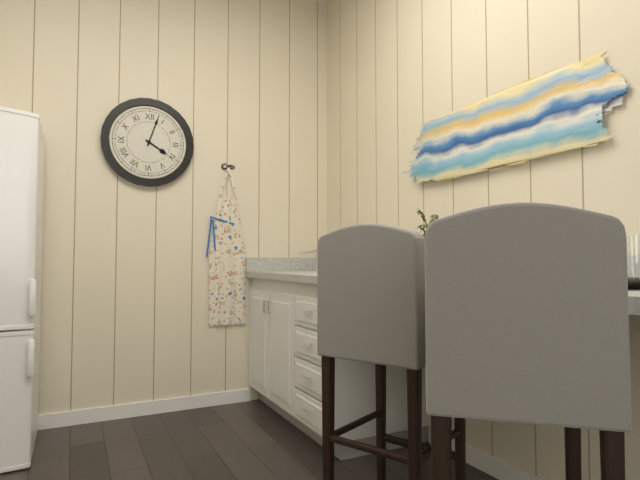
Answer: {"hour": 4, "minute": 3}
